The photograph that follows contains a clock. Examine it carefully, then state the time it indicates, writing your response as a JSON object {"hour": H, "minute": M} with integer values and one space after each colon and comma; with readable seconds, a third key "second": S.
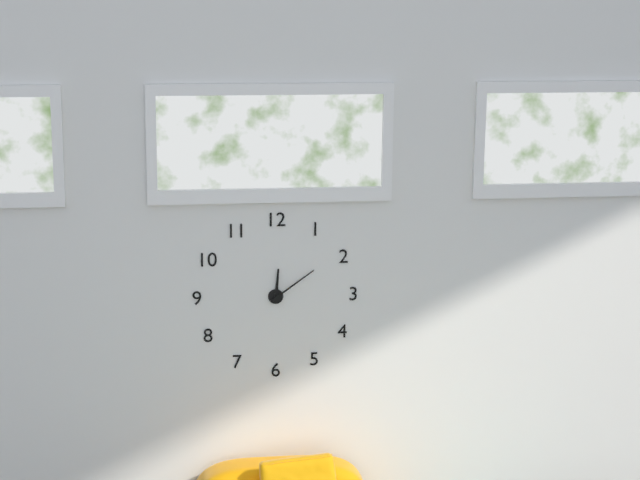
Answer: {"hour": 12, "minute": 9}
